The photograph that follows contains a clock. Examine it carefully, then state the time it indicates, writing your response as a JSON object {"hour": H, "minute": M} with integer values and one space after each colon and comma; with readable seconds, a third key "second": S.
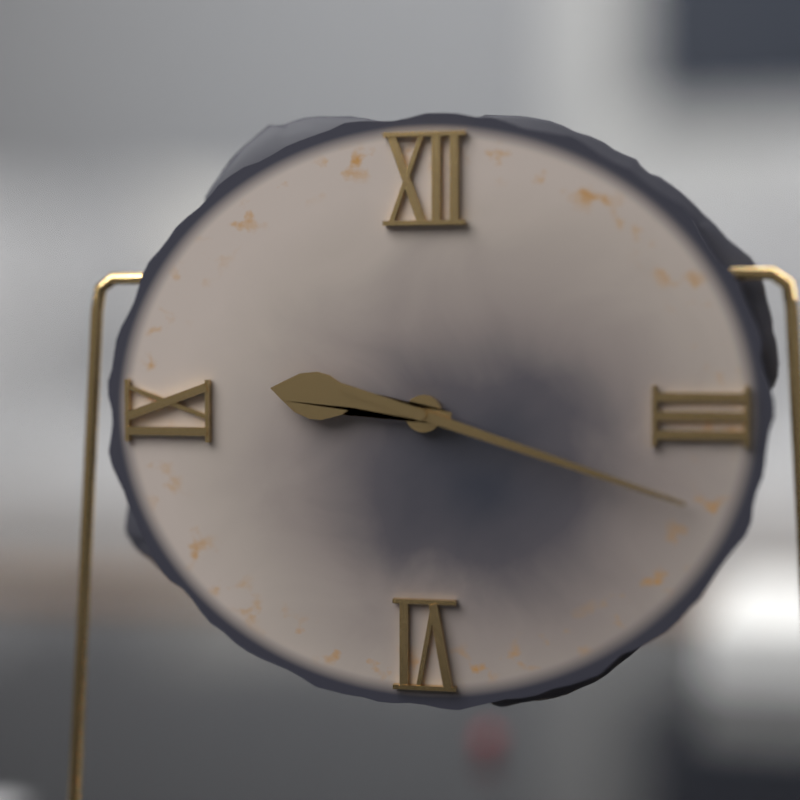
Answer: {"hour": 9, "minute": 18}
